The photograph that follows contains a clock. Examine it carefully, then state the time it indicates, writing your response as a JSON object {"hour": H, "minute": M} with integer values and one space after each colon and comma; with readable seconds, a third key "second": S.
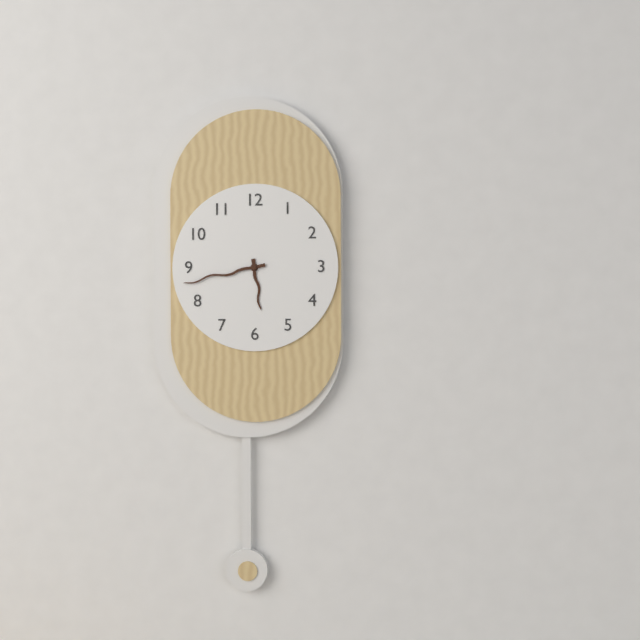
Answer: {"hour": 5, "minute": 43}
